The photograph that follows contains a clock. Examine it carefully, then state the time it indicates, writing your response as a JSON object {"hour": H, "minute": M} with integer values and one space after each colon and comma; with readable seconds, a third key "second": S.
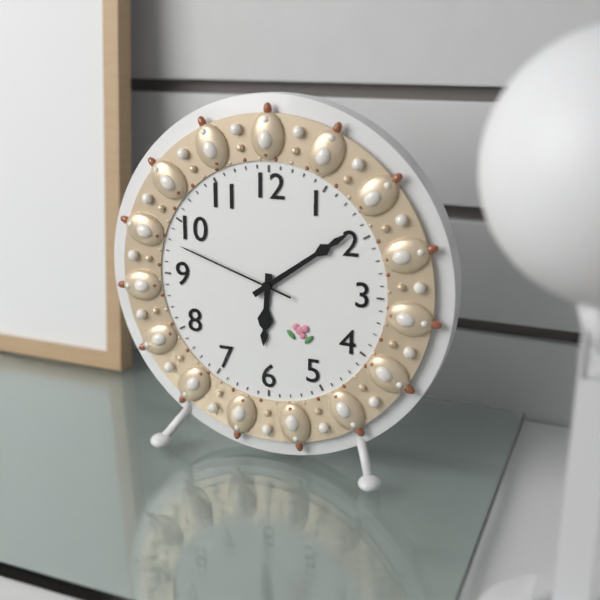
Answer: {"hour": 6, "minute": 9, "second": 48}
